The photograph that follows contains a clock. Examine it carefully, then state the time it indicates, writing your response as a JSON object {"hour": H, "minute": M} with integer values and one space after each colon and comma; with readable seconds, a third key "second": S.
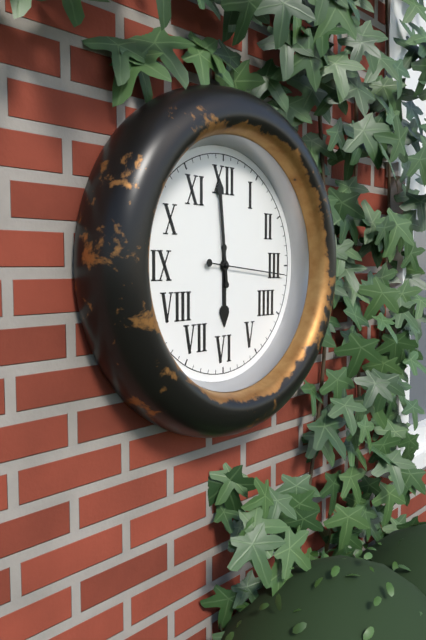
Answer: {"hour": 5, "minute": 59, "second": 16}
